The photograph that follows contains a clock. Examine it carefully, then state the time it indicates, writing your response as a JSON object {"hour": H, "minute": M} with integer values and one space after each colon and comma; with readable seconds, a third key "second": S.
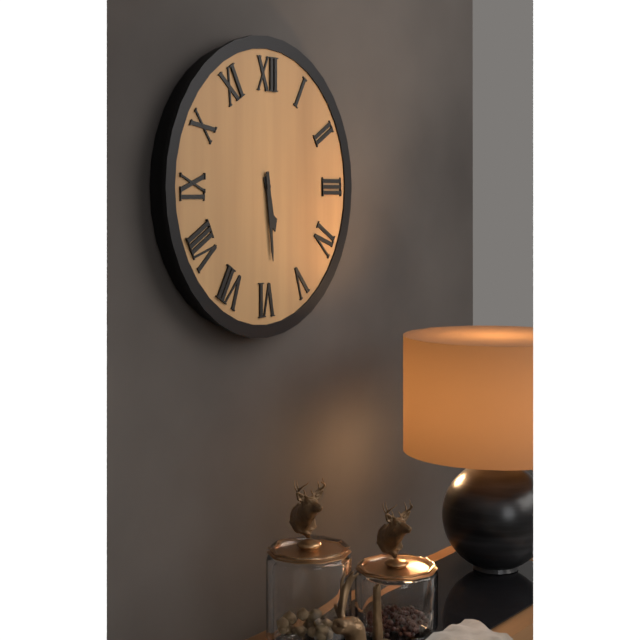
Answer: {"hour": 5, "minute": 29}
